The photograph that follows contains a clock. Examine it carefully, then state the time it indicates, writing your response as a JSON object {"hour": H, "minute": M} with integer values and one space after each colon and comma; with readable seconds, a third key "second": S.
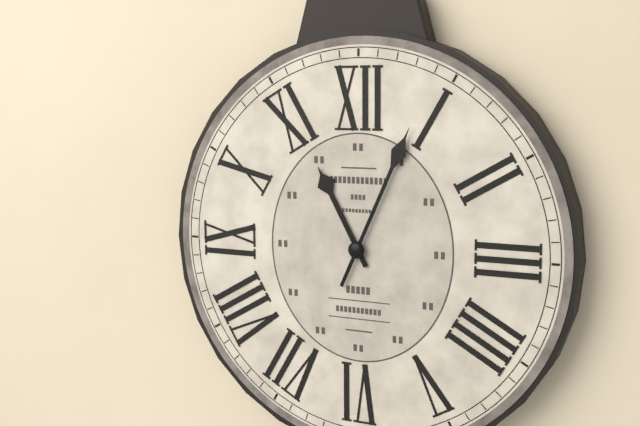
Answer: {"hour": 11, "minute": 4}
